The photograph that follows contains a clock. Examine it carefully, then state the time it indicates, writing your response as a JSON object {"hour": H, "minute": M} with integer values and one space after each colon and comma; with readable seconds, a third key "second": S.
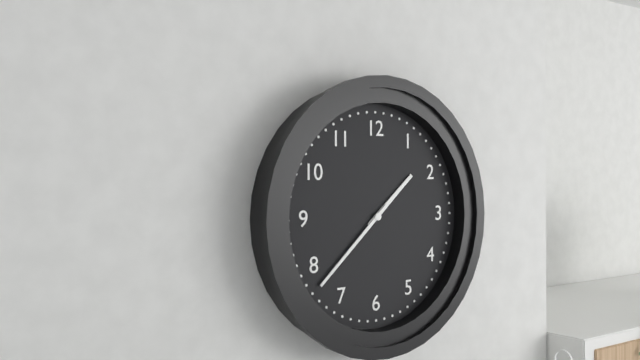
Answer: {"hour": 1, "minute": 38}
